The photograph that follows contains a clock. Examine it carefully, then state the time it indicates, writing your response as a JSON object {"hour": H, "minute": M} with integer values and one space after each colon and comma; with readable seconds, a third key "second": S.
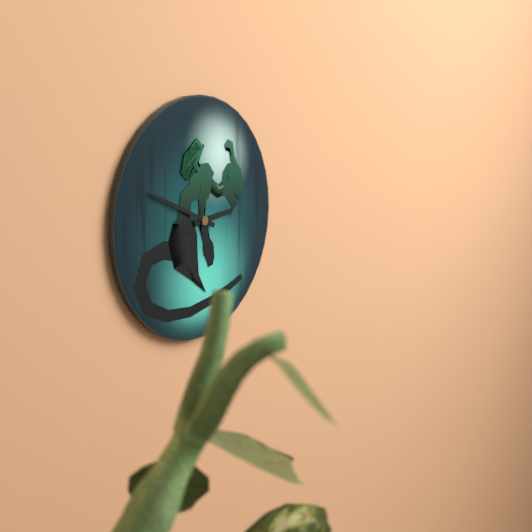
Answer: {"hour": 2, "minute": 49}
